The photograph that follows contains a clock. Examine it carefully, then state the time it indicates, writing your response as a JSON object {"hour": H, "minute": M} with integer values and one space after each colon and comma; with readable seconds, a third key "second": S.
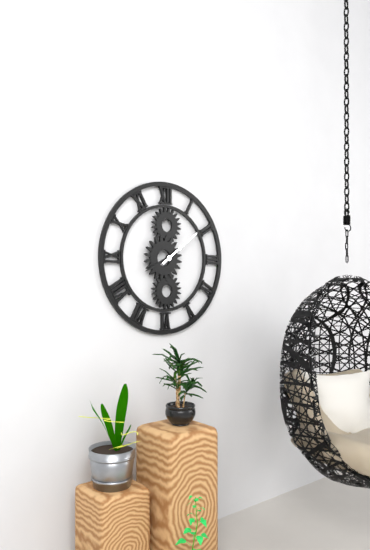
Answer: {"hour": 8, "minute": 9}
